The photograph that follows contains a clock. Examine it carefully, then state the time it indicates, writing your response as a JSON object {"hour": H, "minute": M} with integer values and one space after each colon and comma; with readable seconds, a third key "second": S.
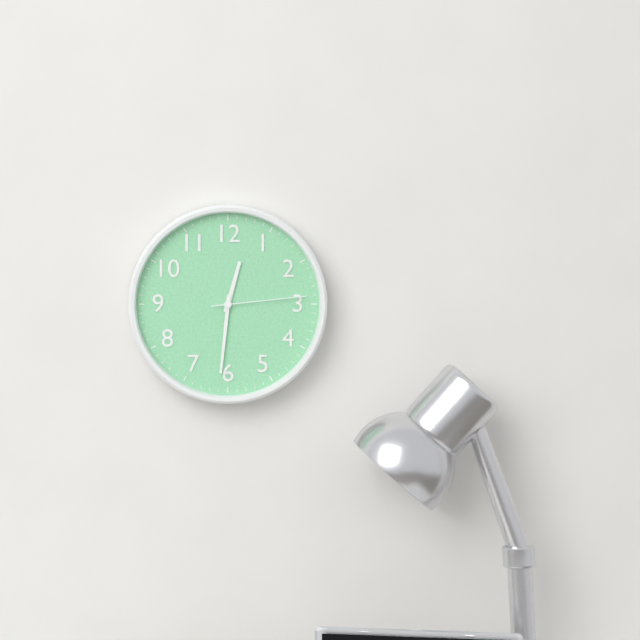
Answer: {"hour": 12, "minute": 31, "second": 14}
